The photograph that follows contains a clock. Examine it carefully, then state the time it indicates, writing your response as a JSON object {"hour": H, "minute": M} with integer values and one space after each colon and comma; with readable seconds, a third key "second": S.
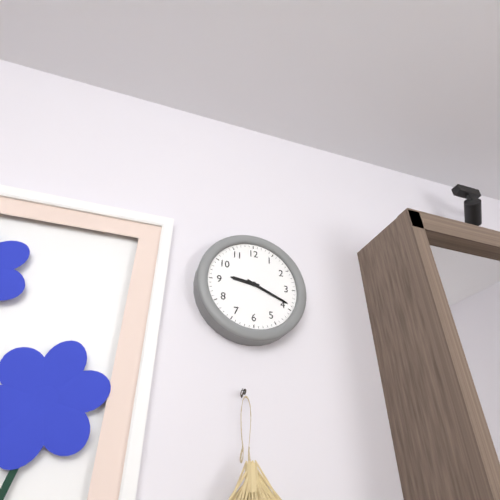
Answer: {"hour": 9, "minute": 19}
